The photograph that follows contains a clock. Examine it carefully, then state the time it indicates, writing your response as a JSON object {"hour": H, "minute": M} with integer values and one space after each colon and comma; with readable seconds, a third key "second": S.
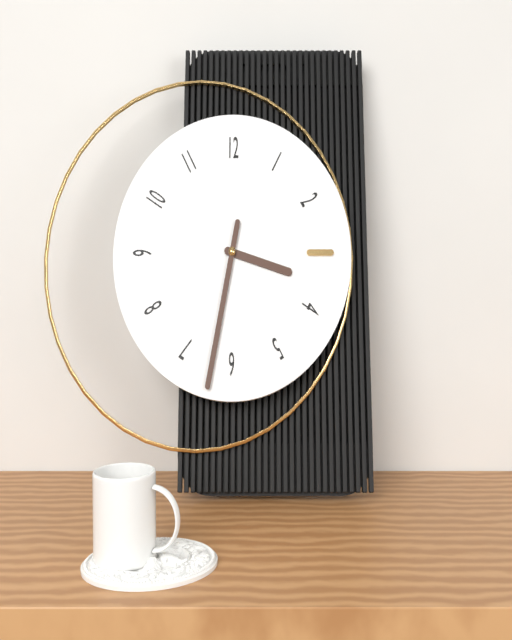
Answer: {"hour": 3, "minute": 32}
